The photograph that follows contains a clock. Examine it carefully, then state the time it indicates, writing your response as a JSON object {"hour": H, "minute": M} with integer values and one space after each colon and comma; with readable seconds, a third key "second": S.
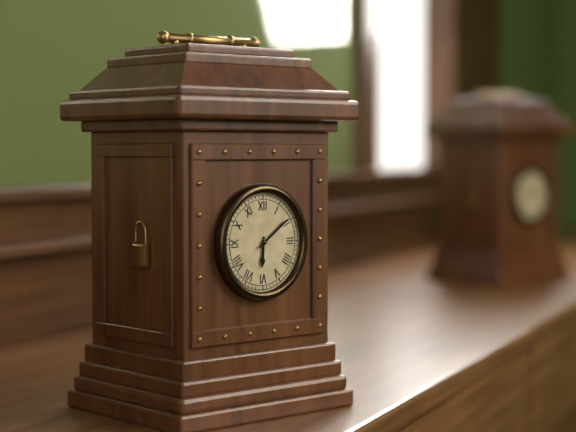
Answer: {"hour": 6, "minute": 9}
